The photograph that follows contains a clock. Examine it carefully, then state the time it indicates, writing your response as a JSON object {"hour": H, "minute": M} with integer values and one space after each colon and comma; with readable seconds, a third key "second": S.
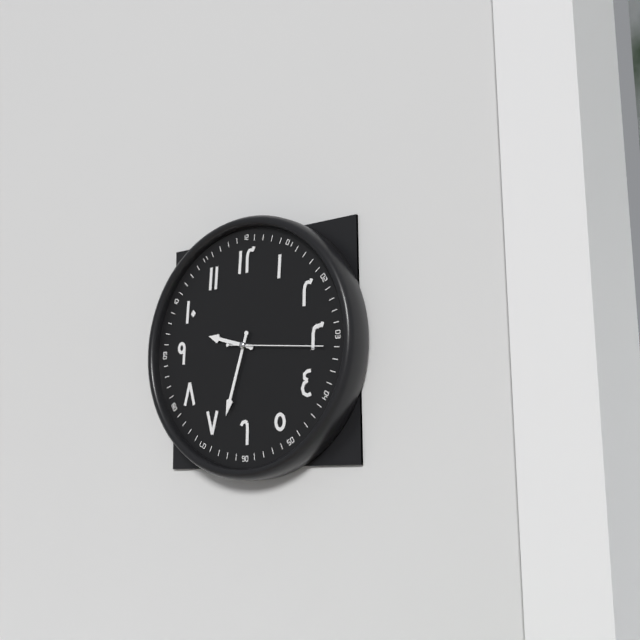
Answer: {"hour": 9, "minute": 33, "second": 16}
